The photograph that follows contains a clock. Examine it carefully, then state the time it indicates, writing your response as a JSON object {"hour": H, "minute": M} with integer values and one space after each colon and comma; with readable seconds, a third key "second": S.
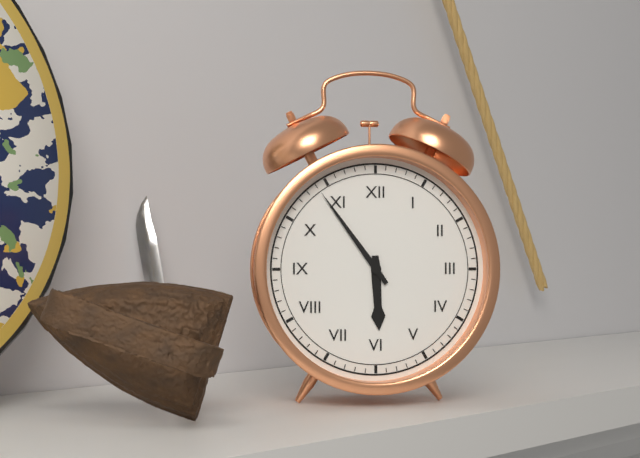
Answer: {"hour": 5, "minute": 54}
